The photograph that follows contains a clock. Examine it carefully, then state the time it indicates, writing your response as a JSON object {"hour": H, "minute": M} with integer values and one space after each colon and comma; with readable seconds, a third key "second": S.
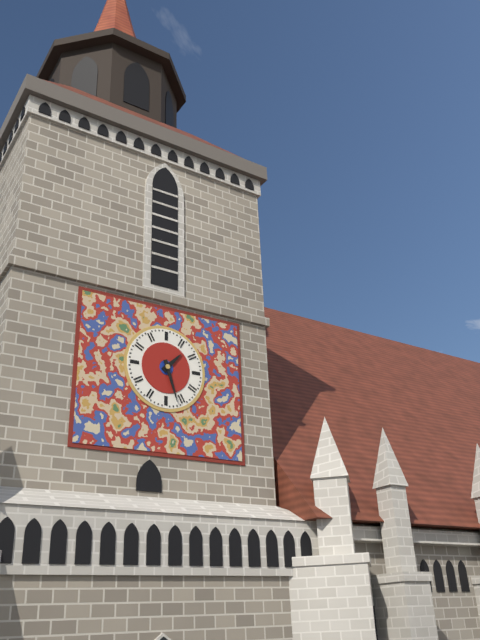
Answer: {"hour": 1, "minute": 27}
